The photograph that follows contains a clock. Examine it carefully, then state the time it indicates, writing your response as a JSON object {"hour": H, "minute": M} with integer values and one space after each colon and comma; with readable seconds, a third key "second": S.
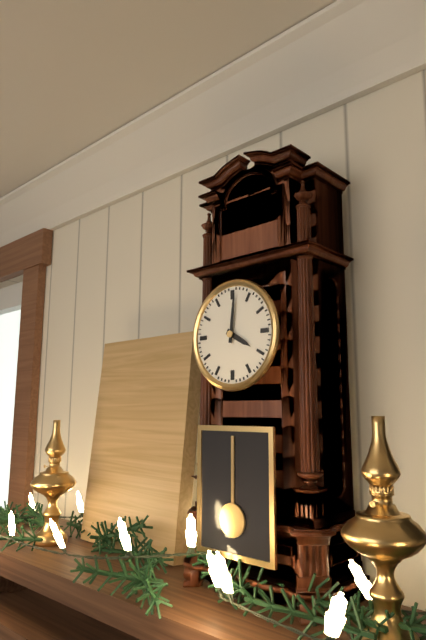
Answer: {"hour": 4, "minute": 1}
